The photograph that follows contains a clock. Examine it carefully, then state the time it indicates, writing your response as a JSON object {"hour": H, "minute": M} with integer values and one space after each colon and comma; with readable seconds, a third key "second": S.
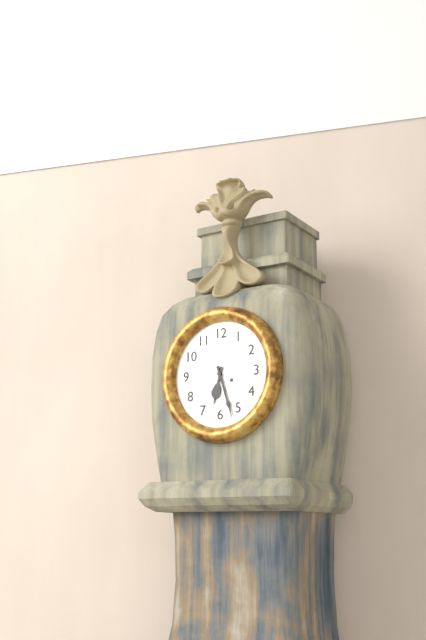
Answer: {"hour": 6, "minute": 27}
